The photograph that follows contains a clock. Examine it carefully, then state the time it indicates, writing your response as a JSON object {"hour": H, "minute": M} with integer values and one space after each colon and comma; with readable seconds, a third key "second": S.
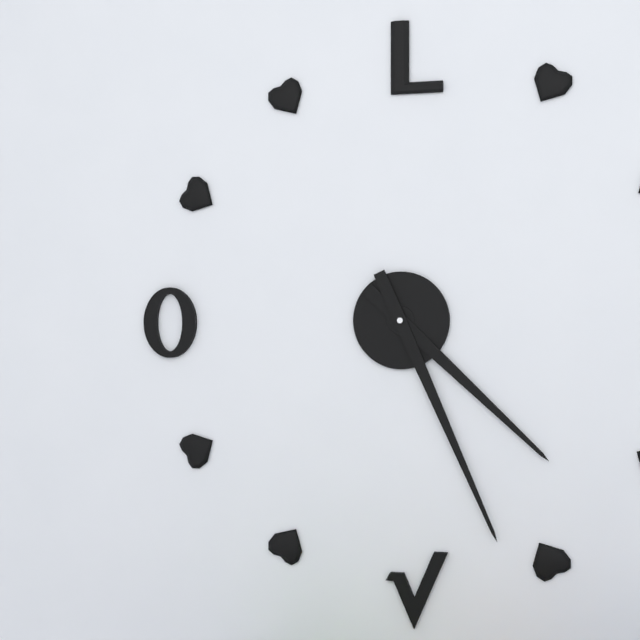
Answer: {"hour": 4, "minute": 26}
